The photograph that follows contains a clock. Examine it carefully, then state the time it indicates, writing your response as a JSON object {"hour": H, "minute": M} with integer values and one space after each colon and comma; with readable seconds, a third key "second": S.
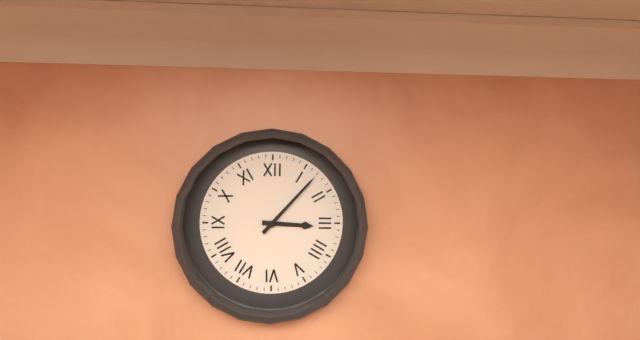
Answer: {"hour": 3, "minute": 7}
